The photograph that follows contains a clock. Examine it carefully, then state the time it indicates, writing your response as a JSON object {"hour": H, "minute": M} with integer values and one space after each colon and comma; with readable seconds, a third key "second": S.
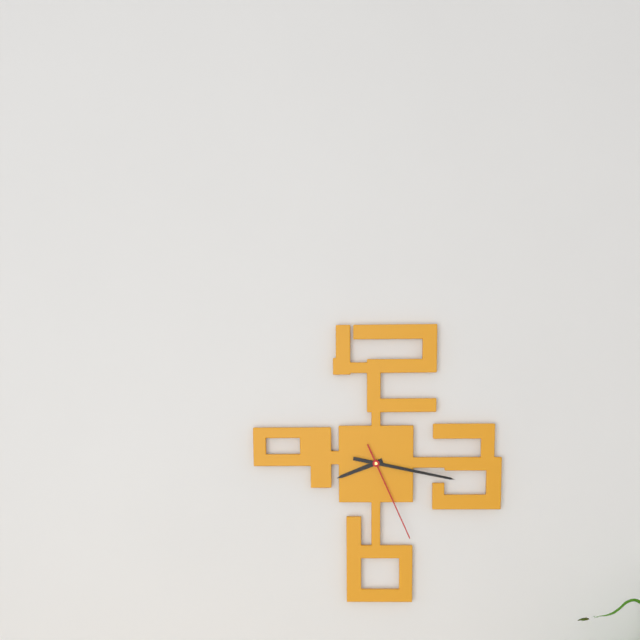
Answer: {"hour": 8, "minute": 17, "second": 26}
